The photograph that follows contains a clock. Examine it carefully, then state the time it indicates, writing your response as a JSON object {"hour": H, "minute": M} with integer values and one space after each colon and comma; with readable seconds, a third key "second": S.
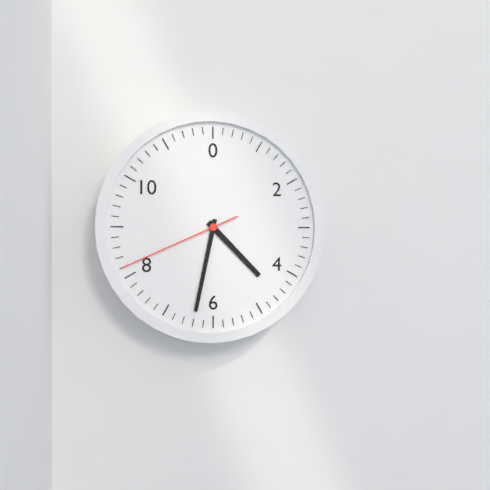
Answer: {"hour": 4, "minute": 32, "second": 41}
